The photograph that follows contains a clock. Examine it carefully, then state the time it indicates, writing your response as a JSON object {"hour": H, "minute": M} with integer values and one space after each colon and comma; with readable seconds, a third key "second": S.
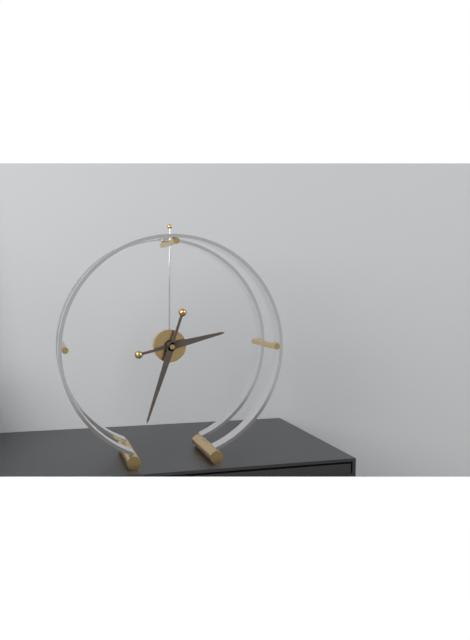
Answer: {"hour": 2, "minute": 33}
